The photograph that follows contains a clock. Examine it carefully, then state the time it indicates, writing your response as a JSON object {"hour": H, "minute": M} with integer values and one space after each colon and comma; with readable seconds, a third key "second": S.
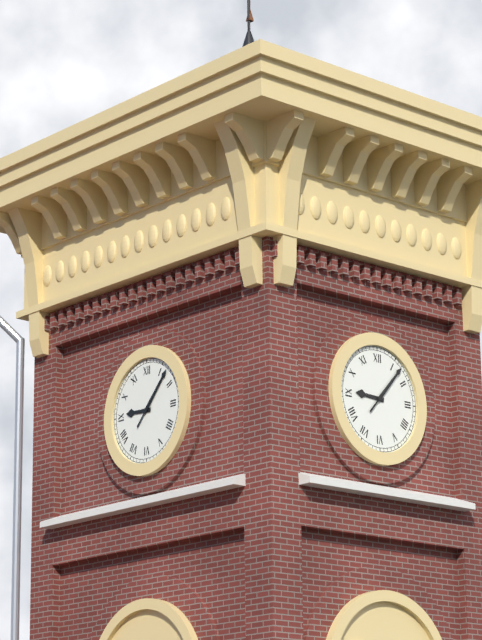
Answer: {"hour": 9, "minute": 7}
